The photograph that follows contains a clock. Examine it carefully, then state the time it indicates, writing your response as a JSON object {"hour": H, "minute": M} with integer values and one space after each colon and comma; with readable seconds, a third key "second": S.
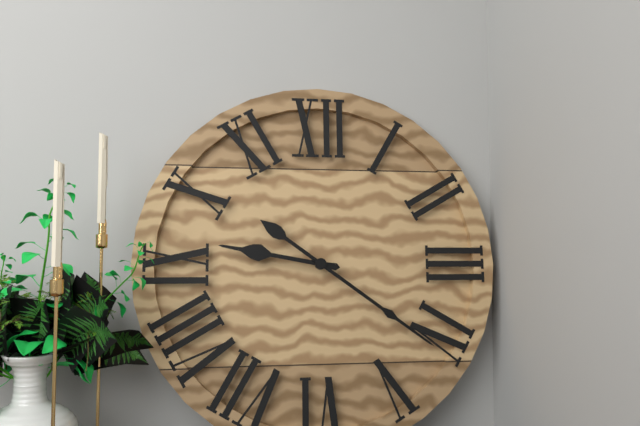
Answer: {"hour": 9, "minute": 21}
